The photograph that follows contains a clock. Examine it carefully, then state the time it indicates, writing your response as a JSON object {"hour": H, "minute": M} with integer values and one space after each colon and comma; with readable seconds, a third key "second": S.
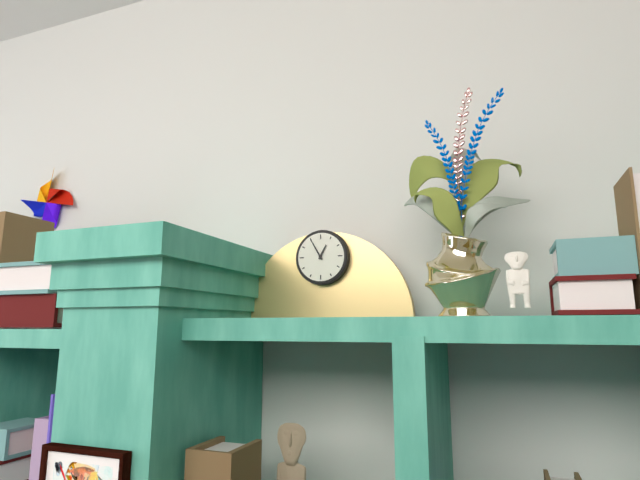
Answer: {"hour": 12, "minute": 55}
